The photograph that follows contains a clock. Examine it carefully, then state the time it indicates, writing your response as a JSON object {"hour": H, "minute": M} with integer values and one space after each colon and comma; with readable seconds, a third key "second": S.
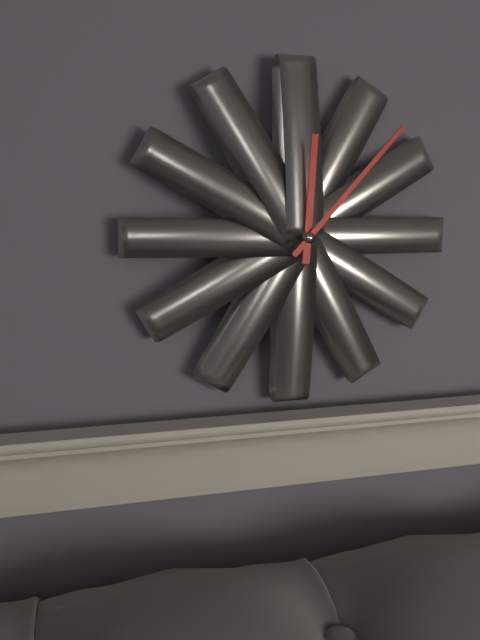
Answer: {"hour": 12, "minute": 7}
